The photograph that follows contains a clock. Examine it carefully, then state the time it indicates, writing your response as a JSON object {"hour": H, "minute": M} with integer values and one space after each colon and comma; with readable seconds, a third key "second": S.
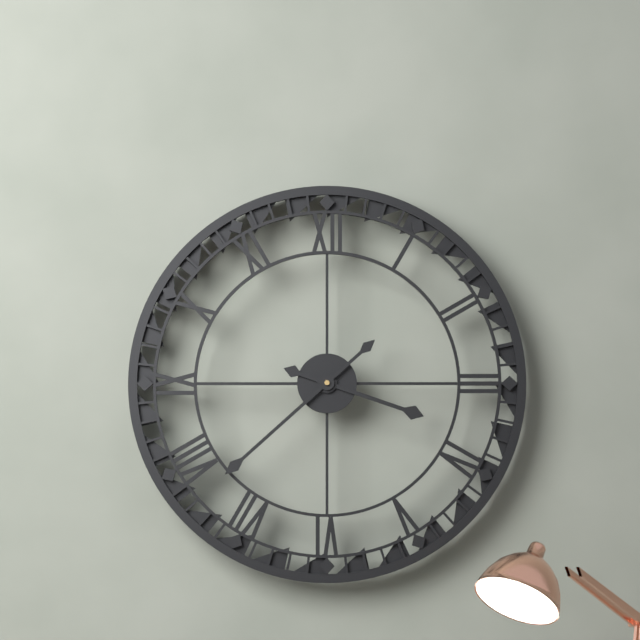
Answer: {"hour": 3, "minute": 38}
